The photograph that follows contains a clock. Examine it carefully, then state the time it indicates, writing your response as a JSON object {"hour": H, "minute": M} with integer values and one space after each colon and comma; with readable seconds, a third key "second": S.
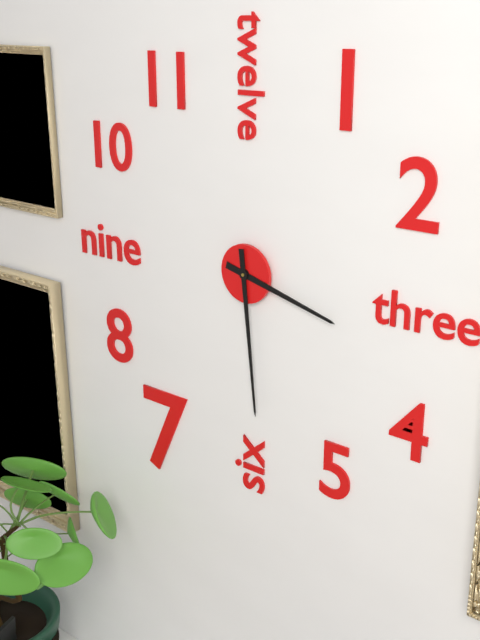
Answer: {"hour": 3, "minute": 29}
